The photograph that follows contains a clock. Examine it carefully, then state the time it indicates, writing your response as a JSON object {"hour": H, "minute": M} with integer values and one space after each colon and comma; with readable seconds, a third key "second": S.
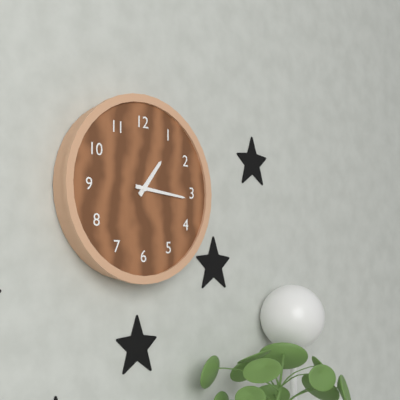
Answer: {"hour": 1, "minute": 16}
